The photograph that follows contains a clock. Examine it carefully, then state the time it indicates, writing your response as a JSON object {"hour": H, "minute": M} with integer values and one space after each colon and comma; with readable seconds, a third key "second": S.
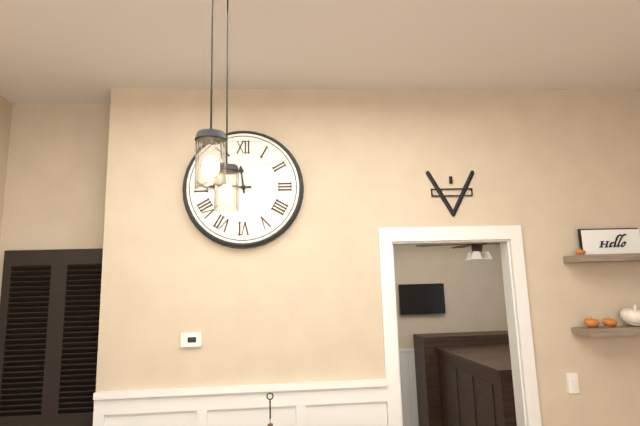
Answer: {"hour": 11, "minute": 45}
